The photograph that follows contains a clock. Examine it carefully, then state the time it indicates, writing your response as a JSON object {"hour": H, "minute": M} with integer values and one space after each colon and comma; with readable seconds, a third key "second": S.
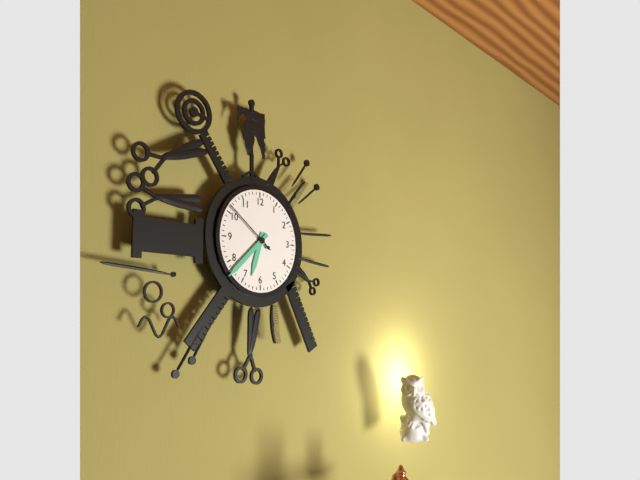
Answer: {"hour": 6, "minute": 38, "second": 51}
